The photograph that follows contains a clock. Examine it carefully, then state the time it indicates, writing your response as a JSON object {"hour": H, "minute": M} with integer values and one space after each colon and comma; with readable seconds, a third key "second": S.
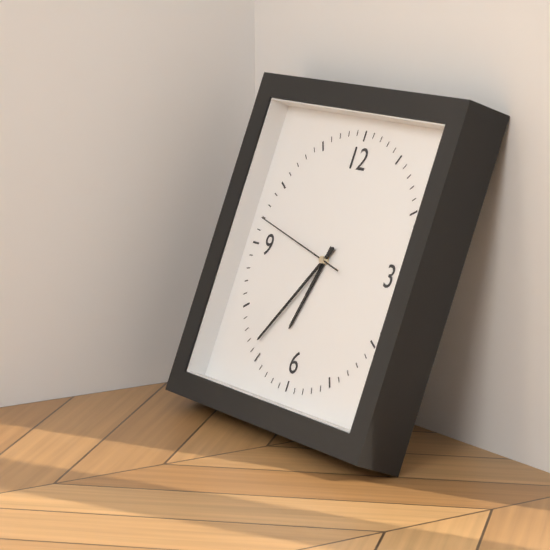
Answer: {"hour": 6, "minute": 36, "second": 47}
